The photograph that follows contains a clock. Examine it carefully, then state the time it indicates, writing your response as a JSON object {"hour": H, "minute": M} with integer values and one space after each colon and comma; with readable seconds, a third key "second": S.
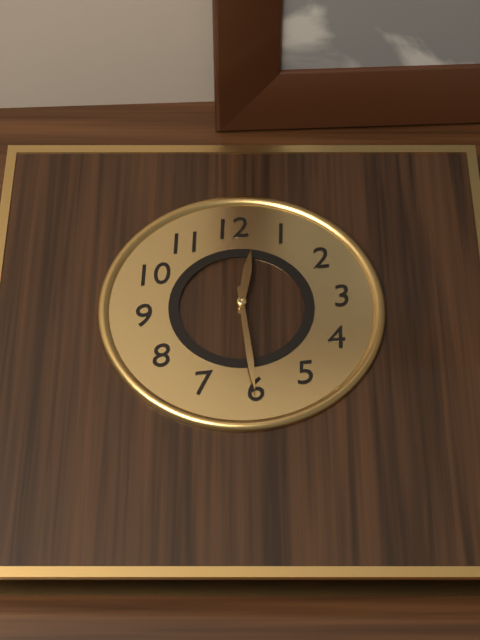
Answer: {"hour": 12, "minute": 30}
